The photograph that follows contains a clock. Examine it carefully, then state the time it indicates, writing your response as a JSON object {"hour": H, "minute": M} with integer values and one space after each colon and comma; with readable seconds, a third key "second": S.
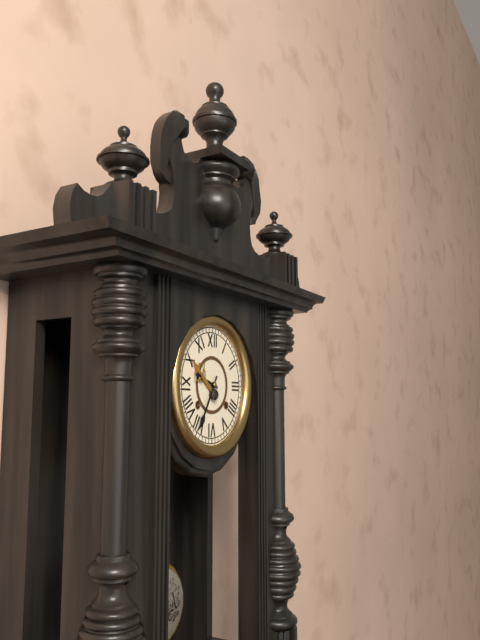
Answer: {"hour": 9, "minute": 35}
